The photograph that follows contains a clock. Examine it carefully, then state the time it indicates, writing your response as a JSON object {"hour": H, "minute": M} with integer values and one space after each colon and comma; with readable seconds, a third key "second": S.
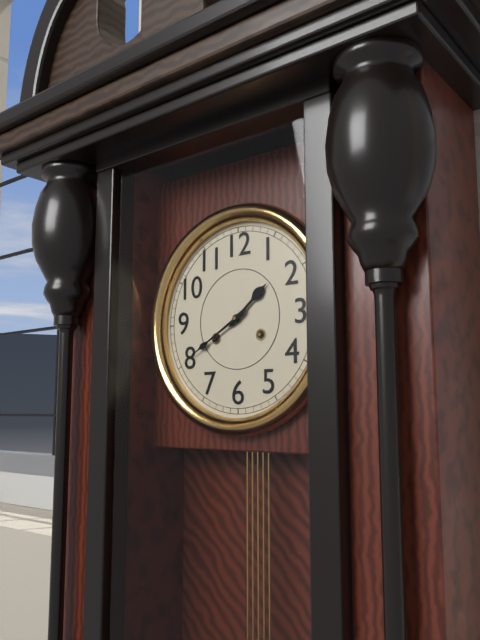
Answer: {"hour": 1, "minute": 40}
